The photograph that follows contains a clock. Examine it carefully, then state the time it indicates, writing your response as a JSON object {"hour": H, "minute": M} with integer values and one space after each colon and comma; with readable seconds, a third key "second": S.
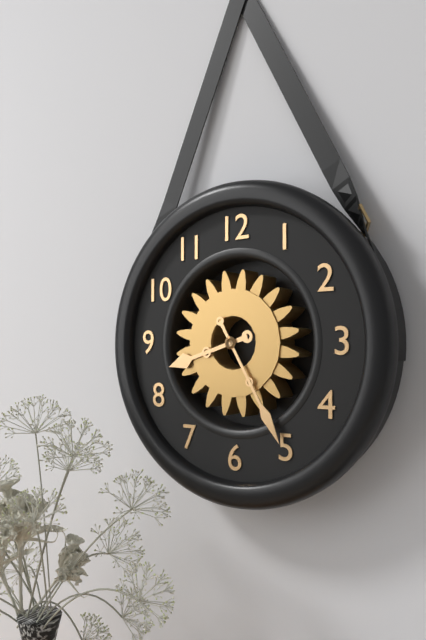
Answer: {"hour": 8, "minute": 25}
